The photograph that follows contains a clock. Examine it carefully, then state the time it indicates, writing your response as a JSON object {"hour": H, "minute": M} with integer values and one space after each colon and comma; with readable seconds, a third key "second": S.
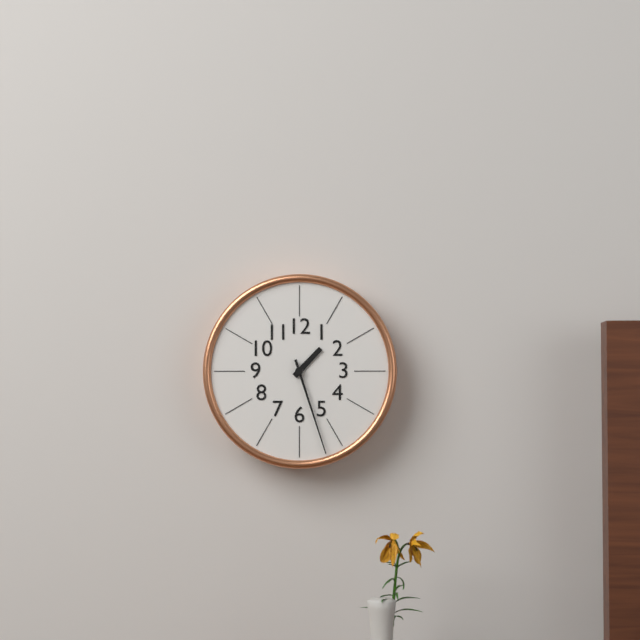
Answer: {"hour": 1, "minute": 27}
